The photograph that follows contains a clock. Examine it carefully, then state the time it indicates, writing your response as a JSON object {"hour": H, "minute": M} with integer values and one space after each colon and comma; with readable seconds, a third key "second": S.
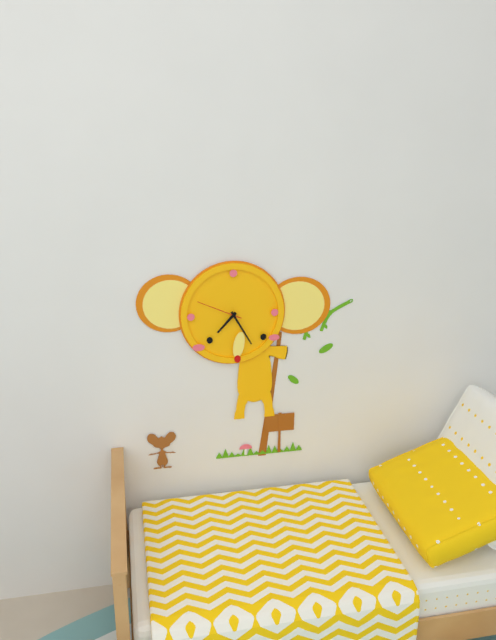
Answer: {"hour": 7, "minute": 25}
